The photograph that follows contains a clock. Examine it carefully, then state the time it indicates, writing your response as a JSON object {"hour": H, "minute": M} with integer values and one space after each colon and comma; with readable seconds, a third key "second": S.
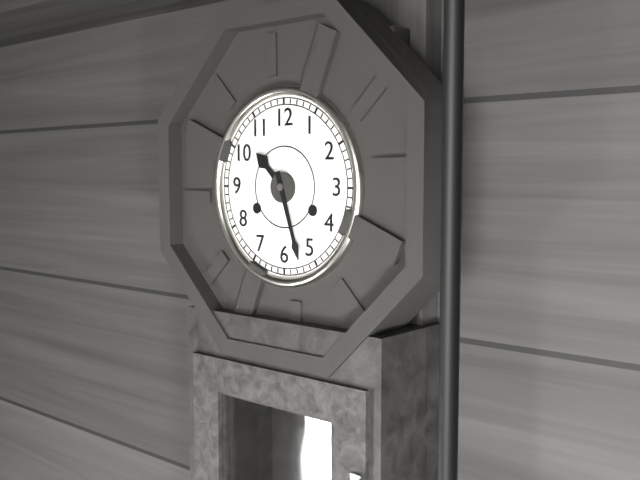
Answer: {"hour": 10, "minute": 27}
